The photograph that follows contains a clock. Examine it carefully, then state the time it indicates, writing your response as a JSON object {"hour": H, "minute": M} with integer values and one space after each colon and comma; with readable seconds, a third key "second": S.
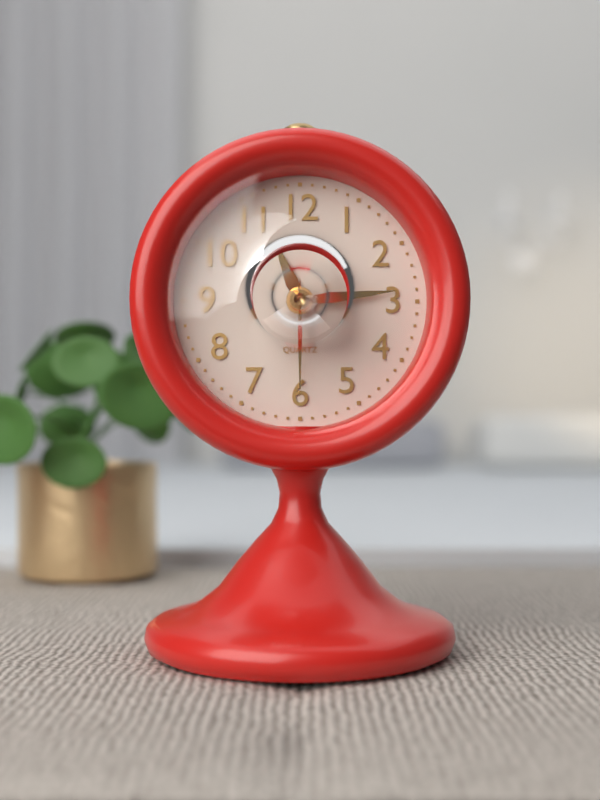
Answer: {"hour": 11, "minute": 14, "second": 30}
